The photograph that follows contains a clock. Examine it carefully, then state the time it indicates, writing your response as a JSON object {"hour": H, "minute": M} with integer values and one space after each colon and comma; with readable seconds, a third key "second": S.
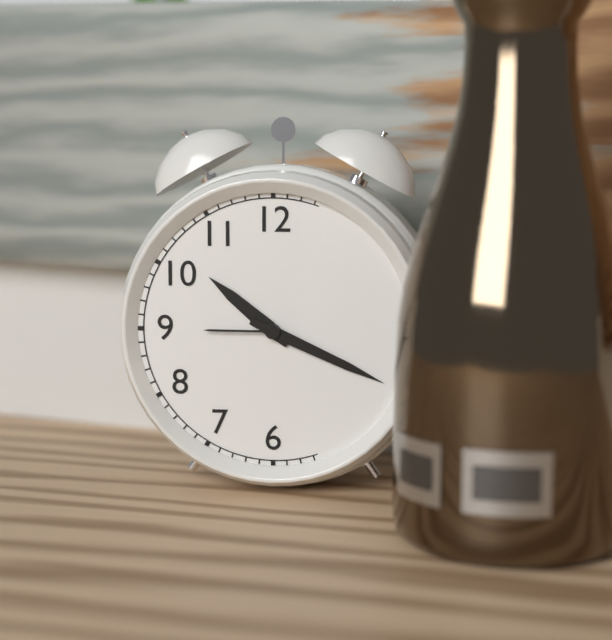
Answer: {"hour": 10, "minute": 19}
